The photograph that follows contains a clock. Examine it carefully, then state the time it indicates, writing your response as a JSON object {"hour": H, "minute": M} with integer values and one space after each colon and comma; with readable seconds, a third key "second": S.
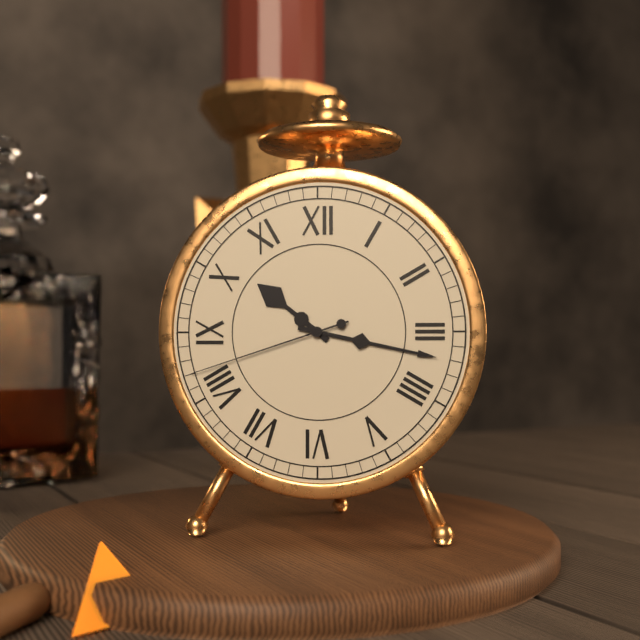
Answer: {"hour": 10, "minute": 17, "second": 42}
